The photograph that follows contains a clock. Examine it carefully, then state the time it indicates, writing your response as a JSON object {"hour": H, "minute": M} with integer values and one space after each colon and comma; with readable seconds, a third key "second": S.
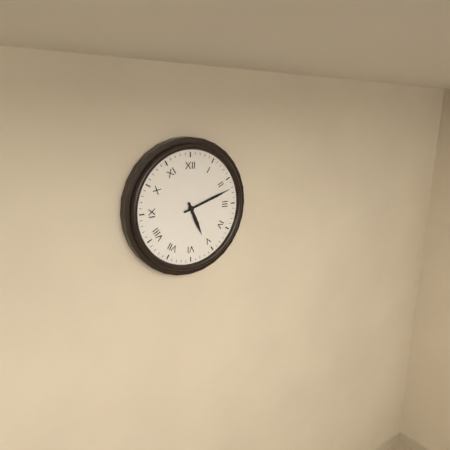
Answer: {"hour": 5, "minute": 12}
